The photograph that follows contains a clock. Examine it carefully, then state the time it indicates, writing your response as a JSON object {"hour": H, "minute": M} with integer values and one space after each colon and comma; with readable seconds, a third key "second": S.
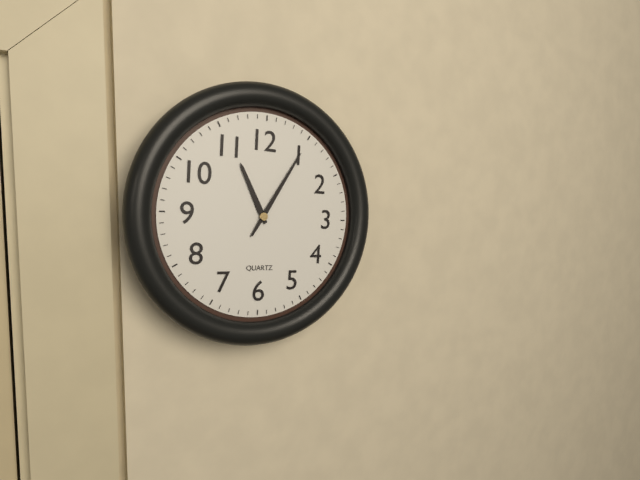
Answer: {"hour": 11, "minute": 5}
